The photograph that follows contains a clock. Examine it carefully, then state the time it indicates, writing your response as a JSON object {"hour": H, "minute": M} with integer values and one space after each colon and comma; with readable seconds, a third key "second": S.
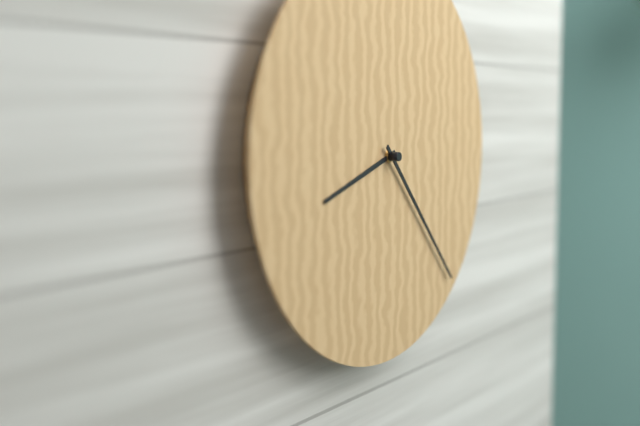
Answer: {"hour": 8, "minute": 23}
